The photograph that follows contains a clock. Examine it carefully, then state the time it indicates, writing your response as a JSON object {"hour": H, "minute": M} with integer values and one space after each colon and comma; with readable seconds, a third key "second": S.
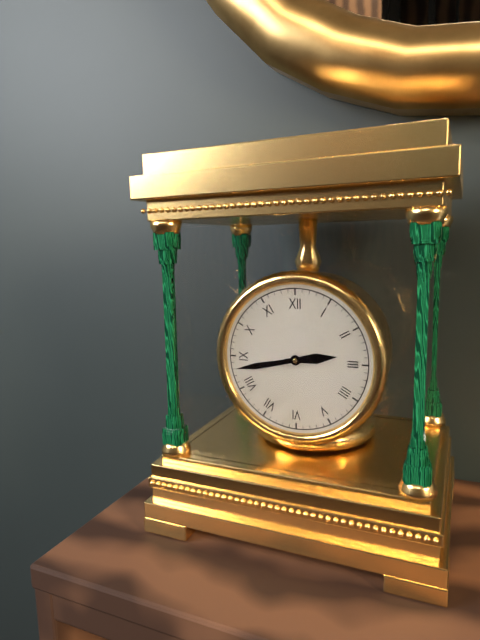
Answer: {"hour": 2, "minute": 43}
